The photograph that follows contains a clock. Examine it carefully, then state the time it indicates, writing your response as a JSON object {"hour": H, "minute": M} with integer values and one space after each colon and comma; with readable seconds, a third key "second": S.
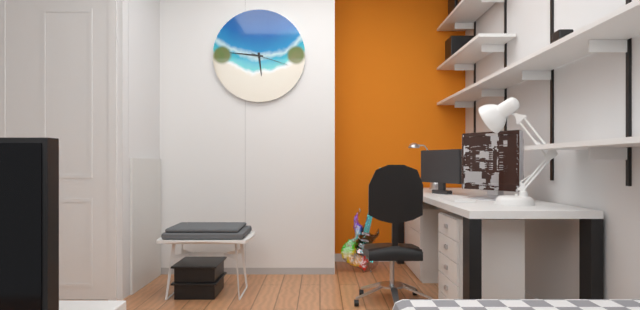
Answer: {"hour": 5, "minute": 46}
